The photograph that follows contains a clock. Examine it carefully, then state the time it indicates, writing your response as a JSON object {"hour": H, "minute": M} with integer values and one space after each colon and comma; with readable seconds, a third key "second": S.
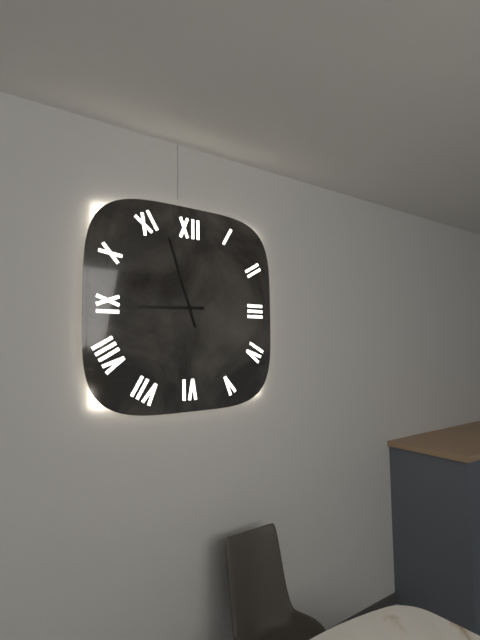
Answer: {"hour": 8, "minute": 57}
